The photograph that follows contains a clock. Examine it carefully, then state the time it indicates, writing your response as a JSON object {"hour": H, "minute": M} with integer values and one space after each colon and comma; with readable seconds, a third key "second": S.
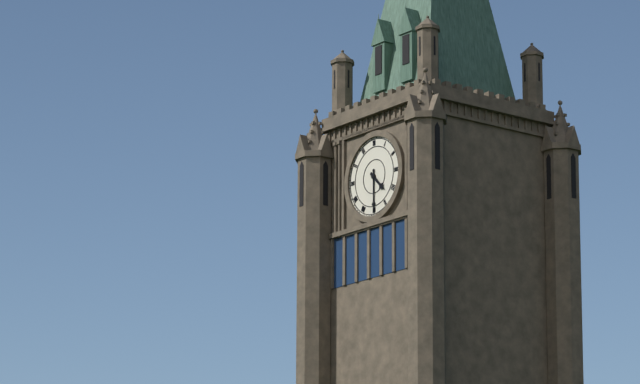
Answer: {"hour": 4, "minute": 30}
